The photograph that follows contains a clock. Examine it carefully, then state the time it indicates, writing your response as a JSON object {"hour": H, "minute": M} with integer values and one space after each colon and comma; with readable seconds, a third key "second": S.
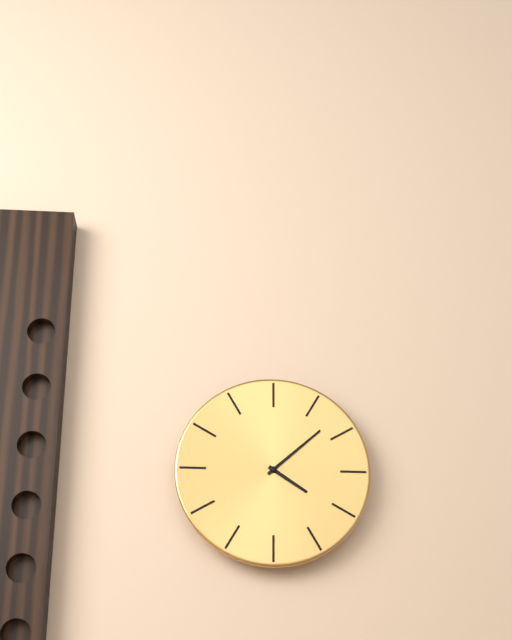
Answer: {"hour": 4, "minute": 8}
